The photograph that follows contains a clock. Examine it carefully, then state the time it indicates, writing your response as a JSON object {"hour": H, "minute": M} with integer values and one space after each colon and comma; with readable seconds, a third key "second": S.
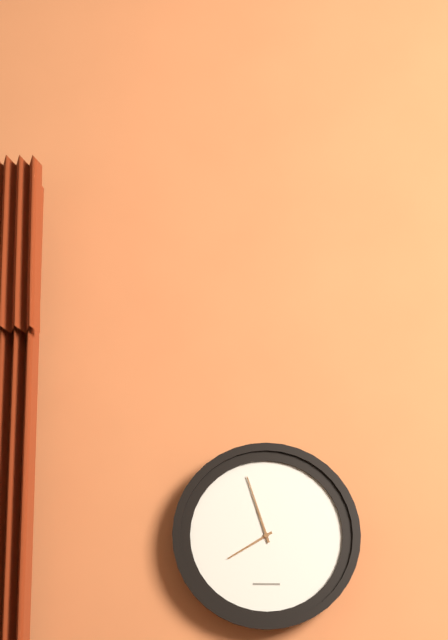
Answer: {"hour": 7, "minute": 57}
